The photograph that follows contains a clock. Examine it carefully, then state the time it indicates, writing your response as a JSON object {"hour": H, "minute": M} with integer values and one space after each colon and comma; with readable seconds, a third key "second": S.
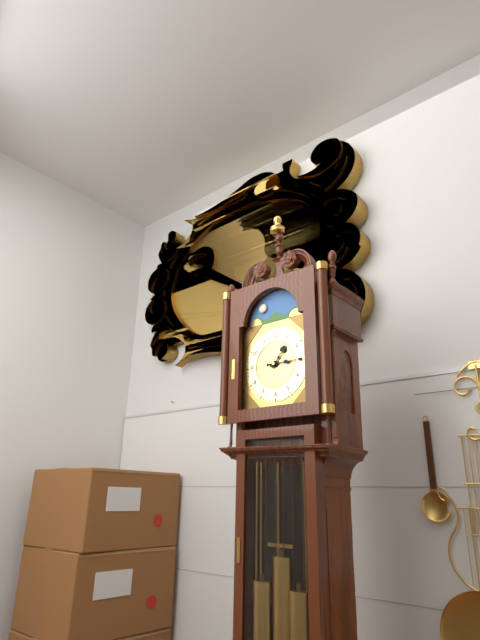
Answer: {"hour": 1, "minute": 15}
